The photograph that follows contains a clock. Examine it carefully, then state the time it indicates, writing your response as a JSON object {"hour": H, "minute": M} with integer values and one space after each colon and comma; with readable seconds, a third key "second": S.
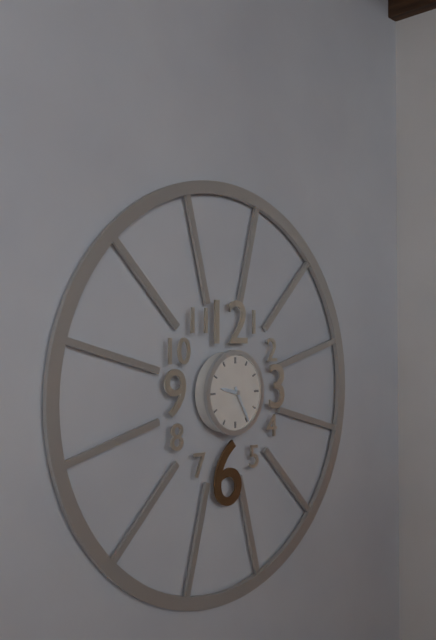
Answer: {"hour": 9, "minute": 25}
